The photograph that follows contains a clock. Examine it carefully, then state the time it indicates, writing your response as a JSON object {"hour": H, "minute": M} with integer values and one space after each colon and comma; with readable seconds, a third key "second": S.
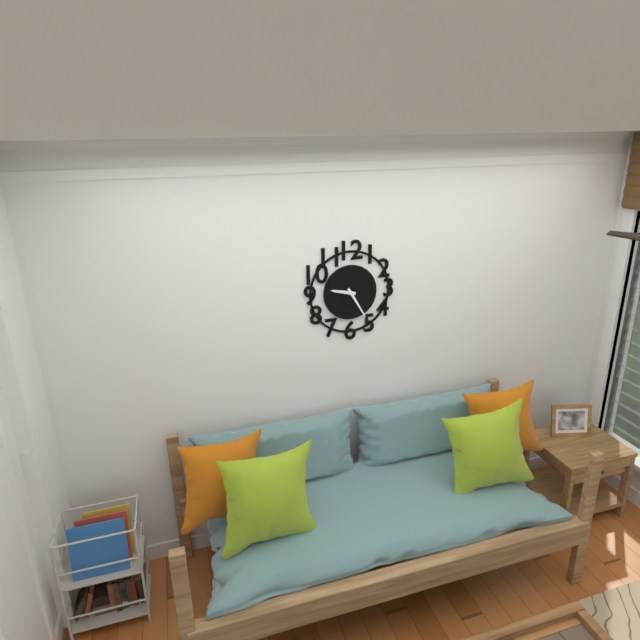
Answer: {"hour": 9, "minute": 25}
